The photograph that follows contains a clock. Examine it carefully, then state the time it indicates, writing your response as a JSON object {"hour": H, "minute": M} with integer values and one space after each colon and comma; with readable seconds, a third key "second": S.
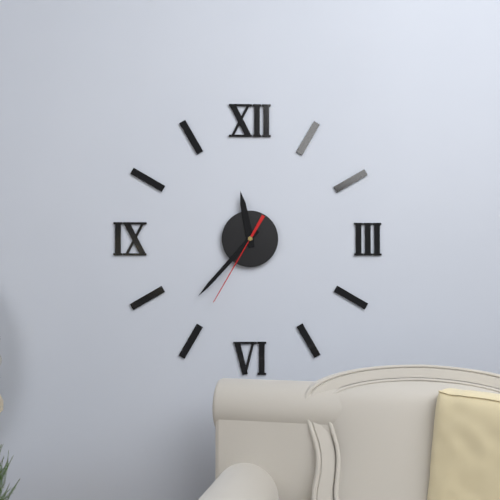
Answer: {"hour": 11, "minute": 37, "second": 35}
